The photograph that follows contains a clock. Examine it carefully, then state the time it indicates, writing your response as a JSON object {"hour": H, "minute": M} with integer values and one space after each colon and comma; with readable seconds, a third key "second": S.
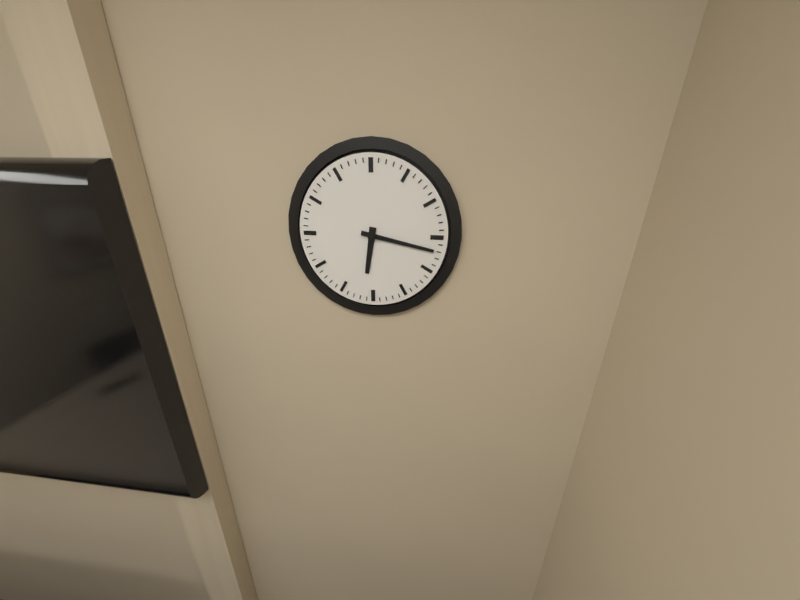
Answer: {"hour": 6, "minute": 17}
